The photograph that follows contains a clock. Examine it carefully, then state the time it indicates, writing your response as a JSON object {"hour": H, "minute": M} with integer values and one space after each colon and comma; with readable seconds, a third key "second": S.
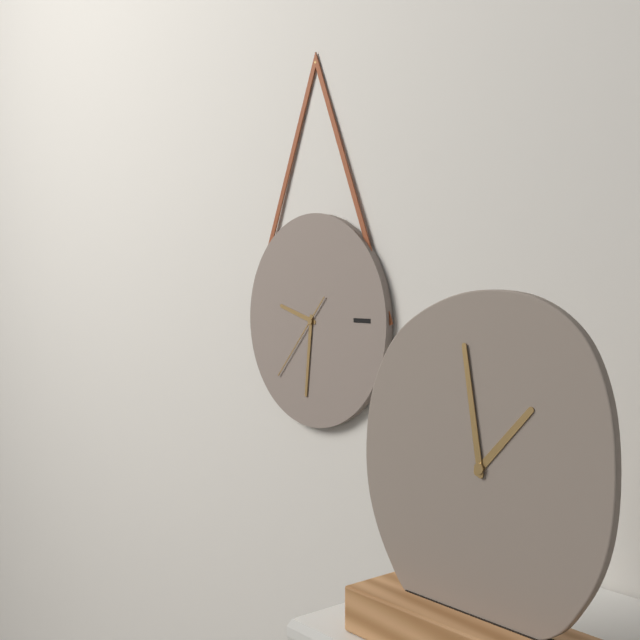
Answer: {"hour": 9, "minute": 31, "second": 37}
